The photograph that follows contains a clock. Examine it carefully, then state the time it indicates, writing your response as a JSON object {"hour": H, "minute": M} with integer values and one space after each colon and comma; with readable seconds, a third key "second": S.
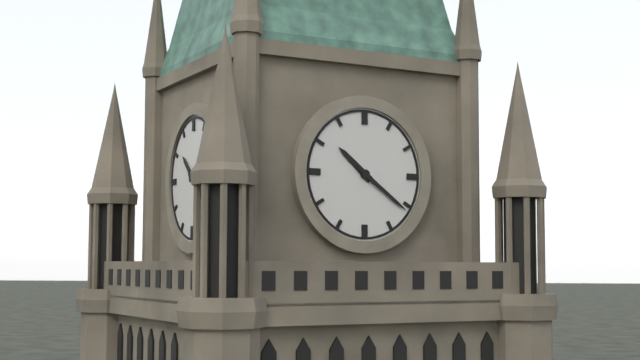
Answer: {"hour": 10, "minute": 21}
